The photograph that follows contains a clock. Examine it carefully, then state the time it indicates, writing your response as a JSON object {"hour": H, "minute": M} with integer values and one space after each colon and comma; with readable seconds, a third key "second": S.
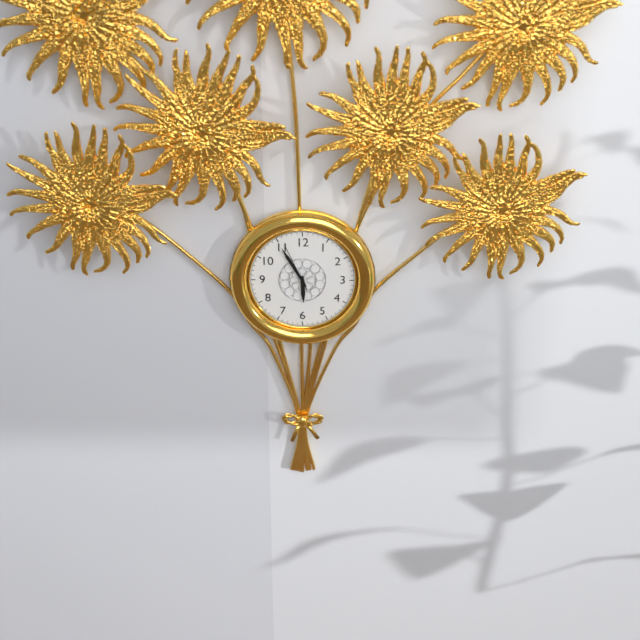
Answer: {"hour": 5, "minute": 55, "second": 56}
